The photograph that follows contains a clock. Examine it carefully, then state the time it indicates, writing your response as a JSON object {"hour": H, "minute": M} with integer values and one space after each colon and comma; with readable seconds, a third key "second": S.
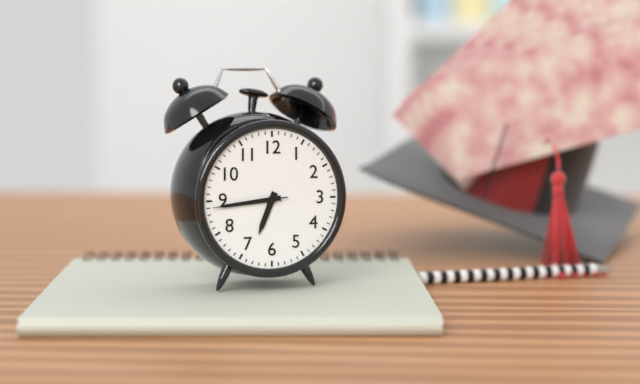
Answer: {"hour": 6, "minute": 44, "second": 44}
